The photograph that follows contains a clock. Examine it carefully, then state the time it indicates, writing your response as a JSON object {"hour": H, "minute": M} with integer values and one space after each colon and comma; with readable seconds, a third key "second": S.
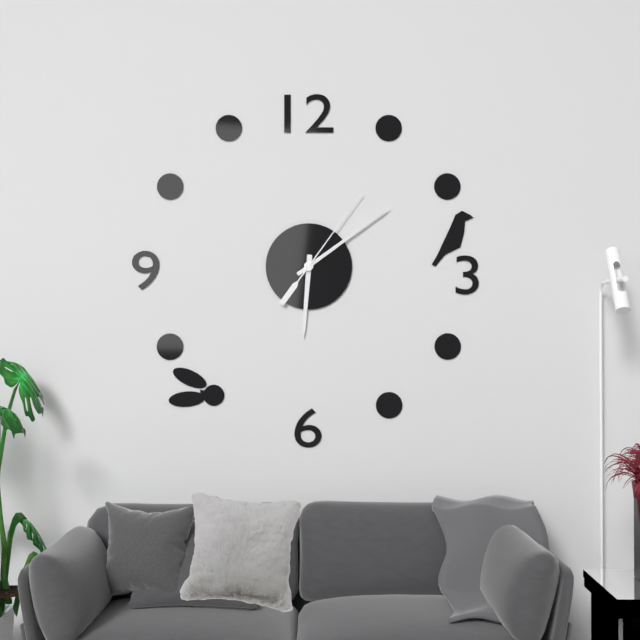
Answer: {"hour": 6, "minute": 9, "second": 6}
